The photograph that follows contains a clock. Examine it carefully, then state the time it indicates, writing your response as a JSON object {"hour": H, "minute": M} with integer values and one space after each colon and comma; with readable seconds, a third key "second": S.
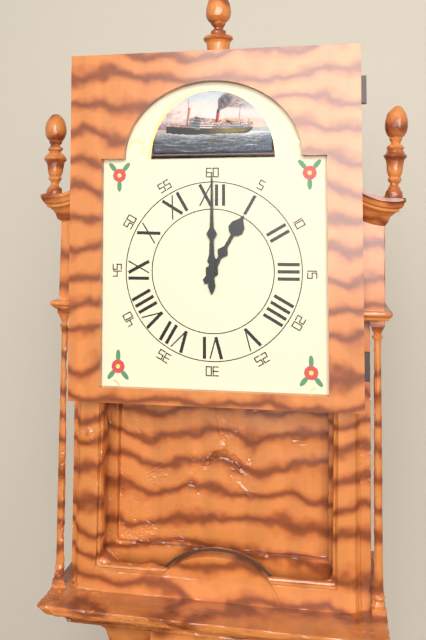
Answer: {"hour": 1, "minute": 0}
